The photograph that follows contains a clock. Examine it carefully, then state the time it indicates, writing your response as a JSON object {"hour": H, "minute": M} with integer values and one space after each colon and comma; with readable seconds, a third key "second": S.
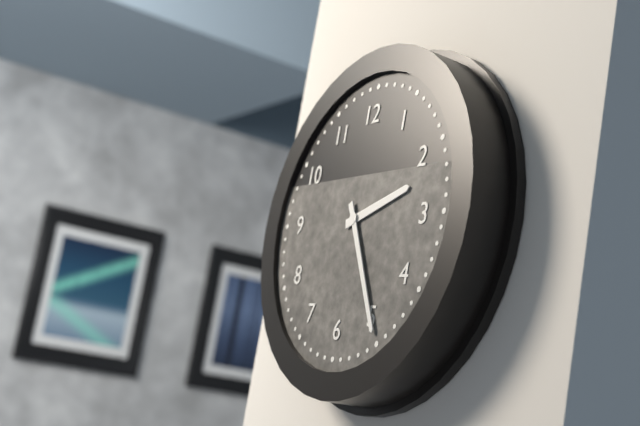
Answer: {"hour": 2, "minute": 25}
